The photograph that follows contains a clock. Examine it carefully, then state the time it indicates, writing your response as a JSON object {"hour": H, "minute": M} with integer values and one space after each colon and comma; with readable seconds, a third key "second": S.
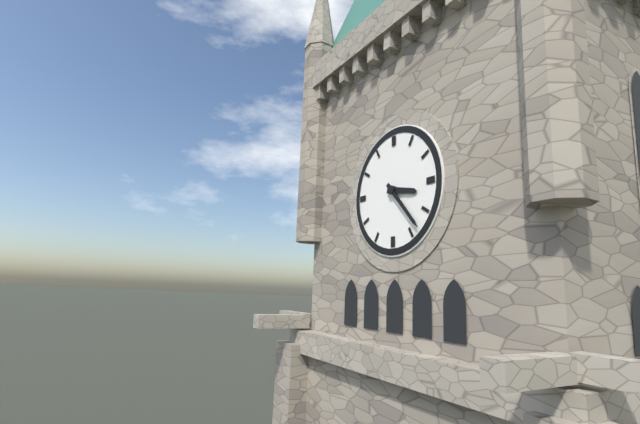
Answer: {"hour": 3, "minute": 23}
